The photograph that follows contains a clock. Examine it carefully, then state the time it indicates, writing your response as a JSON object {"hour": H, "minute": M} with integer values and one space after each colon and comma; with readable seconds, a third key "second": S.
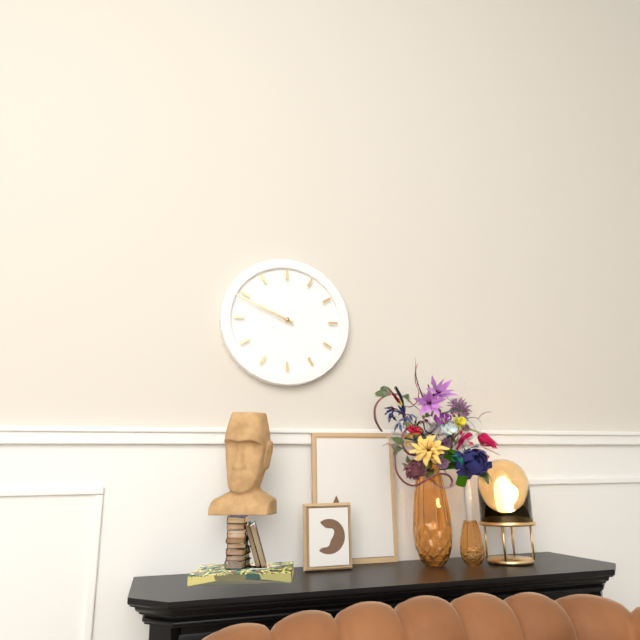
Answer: {"hour": 9, "minute": 49}
